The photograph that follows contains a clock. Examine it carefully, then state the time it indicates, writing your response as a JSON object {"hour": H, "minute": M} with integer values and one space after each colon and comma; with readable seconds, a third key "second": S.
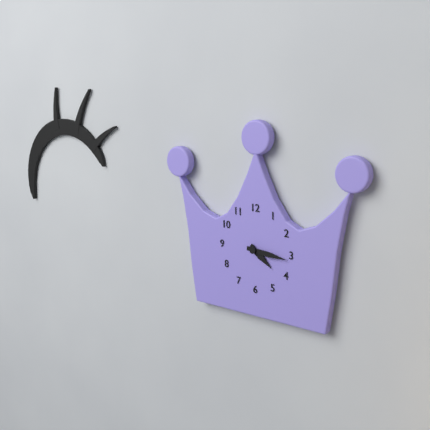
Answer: {"hour": 4, "minute": 16}
